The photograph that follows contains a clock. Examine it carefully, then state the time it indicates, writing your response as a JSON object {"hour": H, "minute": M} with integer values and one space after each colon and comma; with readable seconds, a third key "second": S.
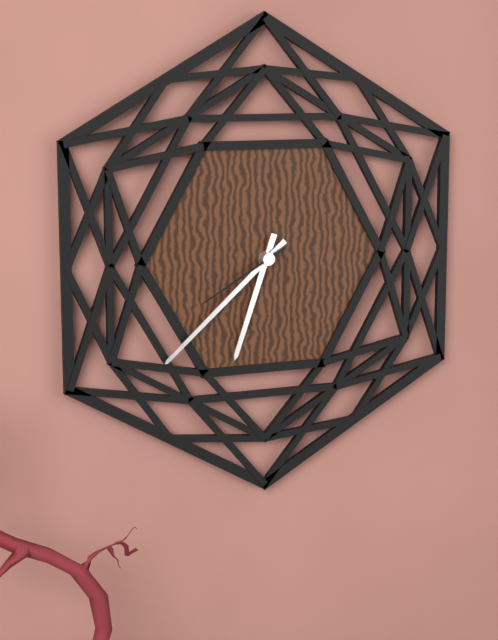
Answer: {"hour": 6, "minute": 38, "second": 40}
